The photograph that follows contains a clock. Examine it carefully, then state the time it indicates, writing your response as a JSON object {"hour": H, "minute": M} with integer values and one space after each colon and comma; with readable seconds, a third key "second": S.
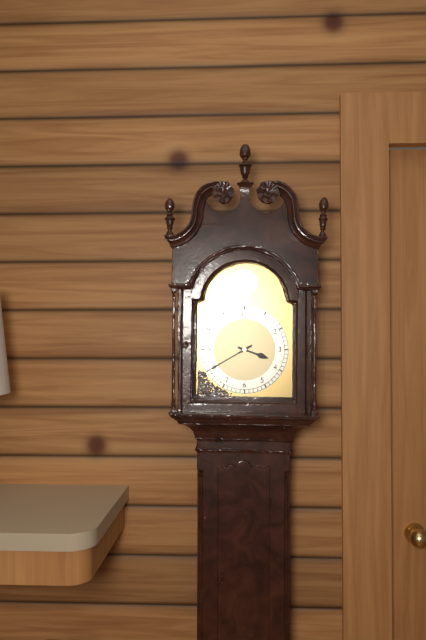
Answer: {"hour": 3, "minute": 40}
